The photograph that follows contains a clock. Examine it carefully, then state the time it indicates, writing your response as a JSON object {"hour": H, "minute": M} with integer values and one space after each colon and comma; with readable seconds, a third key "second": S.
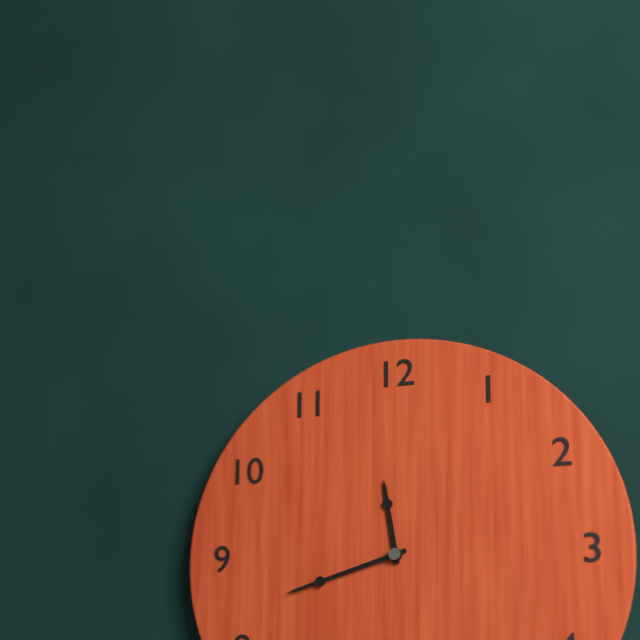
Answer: {"hour": 11, "minute": 42}
